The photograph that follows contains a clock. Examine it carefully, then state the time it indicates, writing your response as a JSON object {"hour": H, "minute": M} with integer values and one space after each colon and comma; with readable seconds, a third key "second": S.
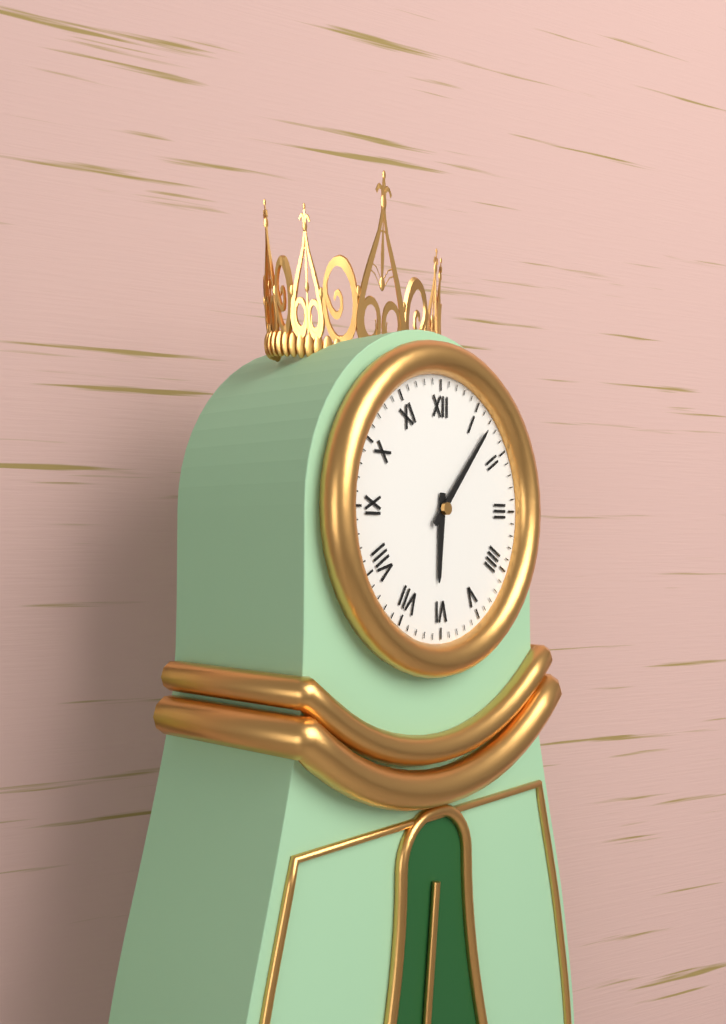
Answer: {"hour": 6, "minute": 7}
